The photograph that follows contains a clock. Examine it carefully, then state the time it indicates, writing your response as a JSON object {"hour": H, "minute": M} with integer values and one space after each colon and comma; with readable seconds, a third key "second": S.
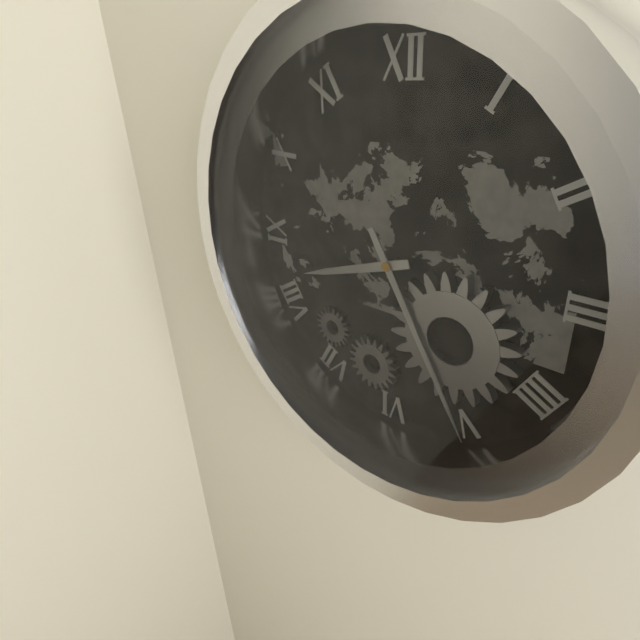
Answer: {"hour": 8, "minute": 25}
